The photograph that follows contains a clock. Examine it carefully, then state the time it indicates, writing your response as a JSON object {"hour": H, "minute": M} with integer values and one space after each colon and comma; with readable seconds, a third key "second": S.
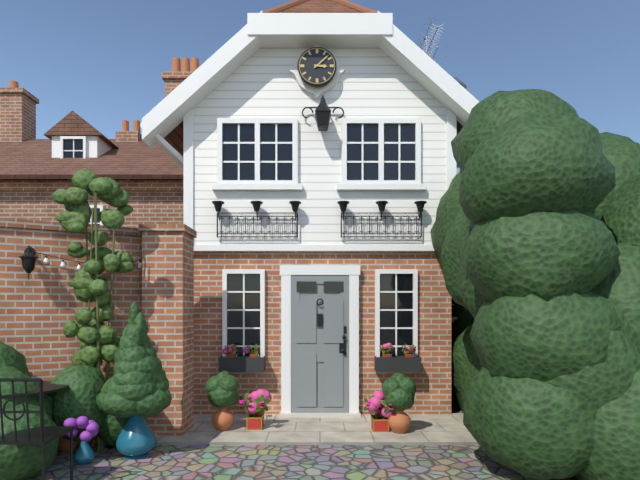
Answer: {"hour": 3, "minute": 8}
